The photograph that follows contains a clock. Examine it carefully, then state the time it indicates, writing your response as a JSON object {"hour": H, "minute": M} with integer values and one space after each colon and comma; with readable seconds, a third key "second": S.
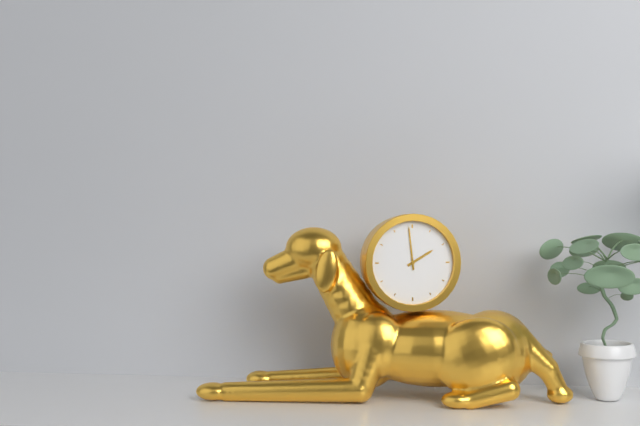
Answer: {"hour": 1, "minute": 59}
